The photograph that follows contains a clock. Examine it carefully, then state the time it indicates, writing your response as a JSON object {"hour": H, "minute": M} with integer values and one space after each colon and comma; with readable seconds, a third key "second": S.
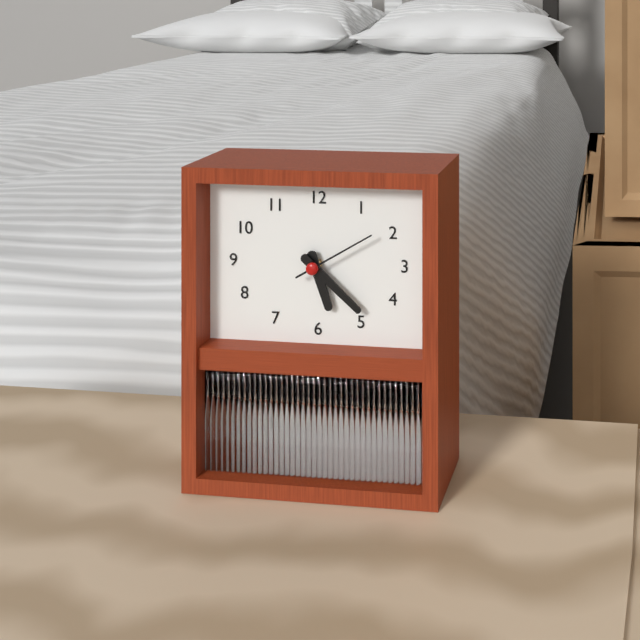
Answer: {"hour": 5, "minute": 22, "second": 10}
